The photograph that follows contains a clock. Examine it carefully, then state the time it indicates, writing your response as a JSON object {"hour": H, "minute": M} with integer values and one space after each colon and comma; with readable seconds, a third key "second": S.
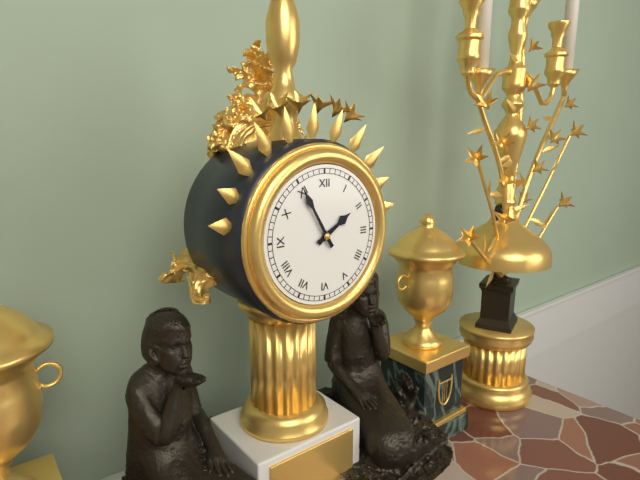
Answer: {"hour": 1, "minute": 55}
